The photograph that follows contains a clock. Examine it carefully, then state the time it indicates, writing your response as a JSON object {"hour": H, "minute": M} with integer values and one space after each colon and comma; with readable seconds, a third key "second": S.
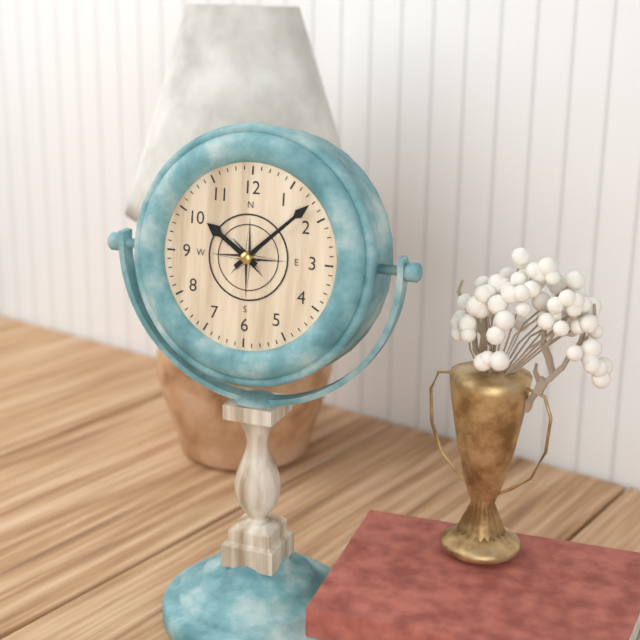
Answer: {"hour": 10, "minute": 8}
